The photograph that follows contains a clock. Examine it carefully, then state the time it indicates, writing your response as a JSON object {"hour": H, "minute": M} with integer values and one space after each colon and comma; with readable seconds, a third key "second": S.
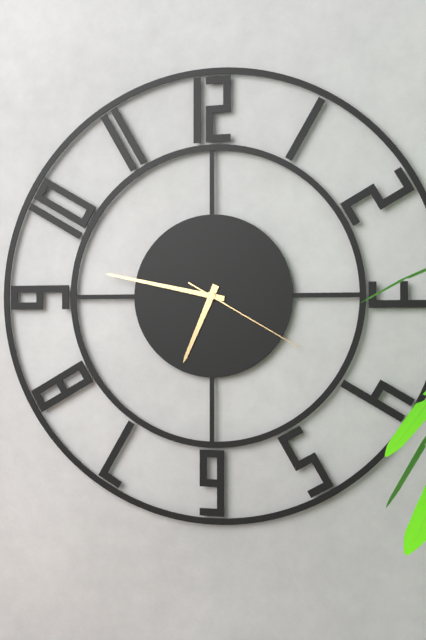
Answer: {"hour": 6, "minute": 47, "second": 20}
